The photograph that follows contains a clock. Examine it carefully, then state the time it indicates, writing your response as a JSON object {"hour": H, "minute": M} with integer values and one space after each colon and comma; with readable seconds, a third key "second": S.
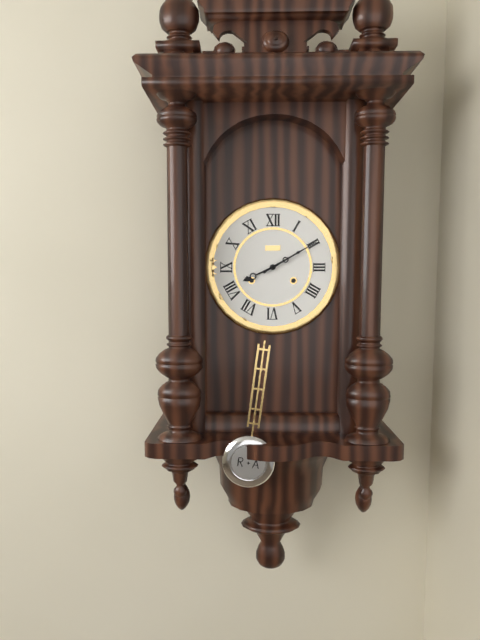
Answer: {"hour": 8, "minute": 10}
